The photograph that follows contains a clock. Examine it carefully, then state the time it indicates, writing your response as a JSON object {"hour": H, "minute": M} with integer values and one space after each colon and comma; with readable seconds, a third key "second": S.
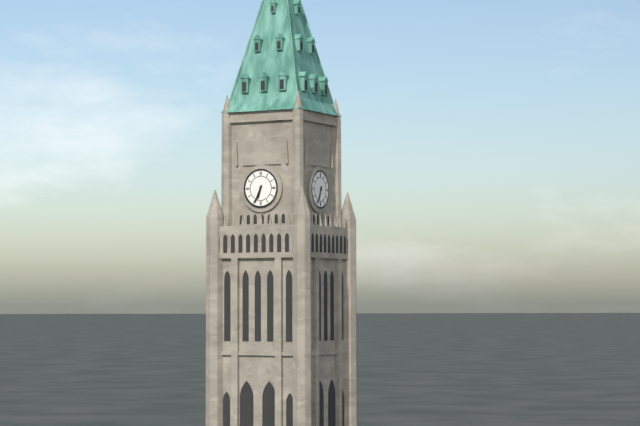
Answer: {"hour": 6, "minute": 34}
